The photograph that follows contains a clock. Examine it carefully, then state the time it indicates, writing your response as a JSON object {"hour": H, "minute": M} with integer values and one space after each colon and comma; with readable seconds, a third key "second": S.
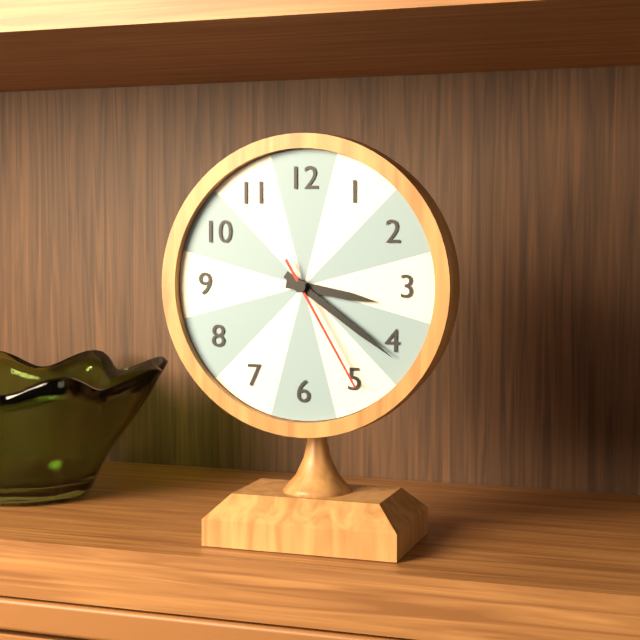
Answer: {"hour": 3, "minute": 21, "second": 25}
